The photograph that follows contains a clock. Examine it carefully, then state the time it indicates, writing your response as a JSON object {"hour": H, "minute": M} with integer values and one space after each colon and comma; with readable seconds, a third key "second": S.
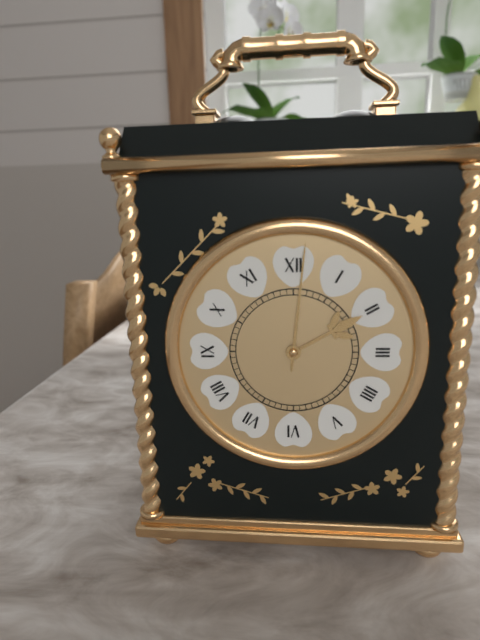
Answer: {"hour": 2, "minute": 1}
